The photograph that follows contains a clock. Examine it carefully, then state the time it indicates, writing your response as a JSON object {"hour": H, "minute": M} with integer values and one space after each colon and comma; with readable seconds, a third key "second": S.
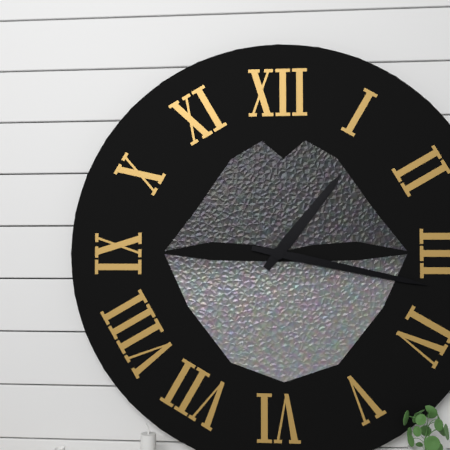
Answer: {"hour": 1, "minute": 17}
